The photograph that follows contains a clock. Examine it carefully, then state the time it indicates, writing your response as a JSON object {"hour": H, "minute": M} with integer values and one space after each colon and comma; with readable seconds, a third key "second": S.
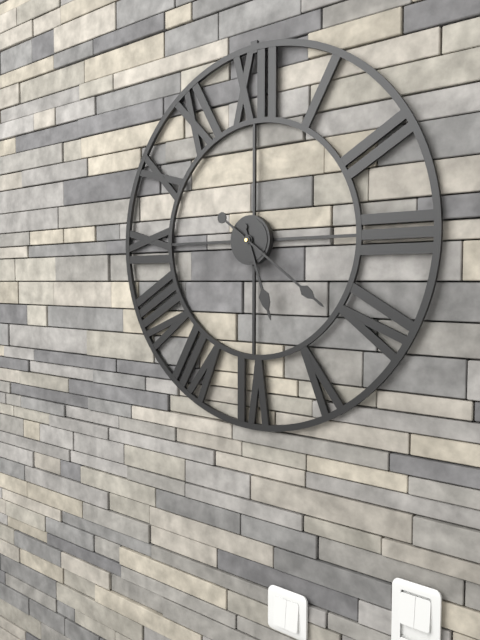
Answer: {"hour": 5, "minute": 21}
